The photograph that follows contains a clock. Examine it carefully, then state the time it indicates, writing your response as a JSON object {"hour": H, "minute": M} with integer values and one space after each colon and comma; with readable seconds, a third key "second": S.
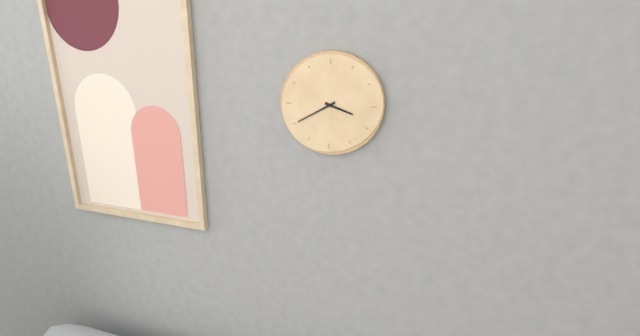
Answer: {"hour": 3, "minute": 40}
